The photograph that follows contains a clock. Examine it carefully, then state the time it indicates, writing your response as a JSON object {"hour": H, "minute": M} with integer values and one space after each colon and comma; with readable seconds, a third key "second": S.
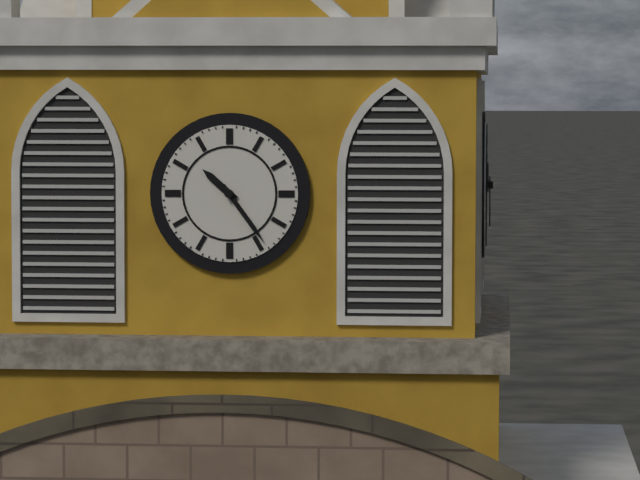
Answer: {"hour": 10, "minute": 24}
